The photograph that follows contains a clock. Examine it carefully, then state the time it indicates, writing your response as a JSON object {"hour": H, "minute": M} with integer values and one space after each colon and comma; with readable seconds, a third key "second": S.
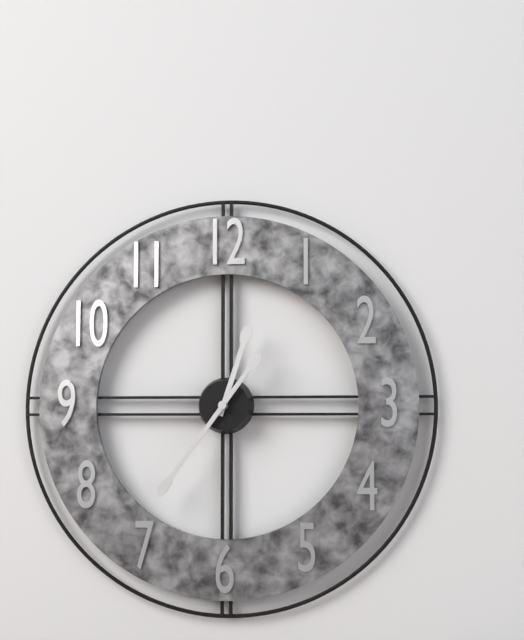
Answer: {"hour": 12, "minute": 36}
